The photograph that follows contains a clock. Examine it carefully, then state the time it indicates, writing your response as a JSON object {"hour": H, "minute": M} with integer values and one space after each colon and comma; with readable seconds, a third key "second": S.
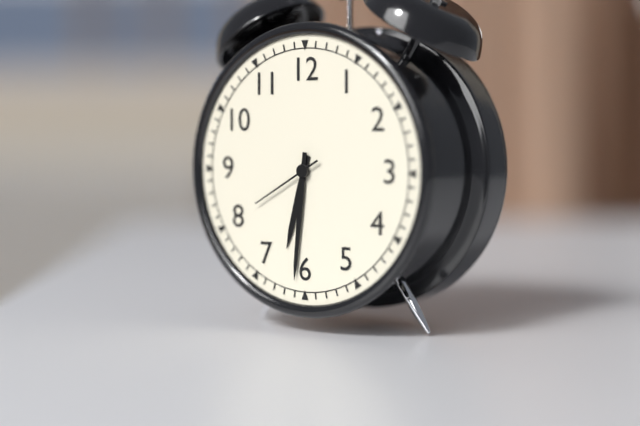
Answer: {"hour": 6, "minute": 31, "second": 40}
